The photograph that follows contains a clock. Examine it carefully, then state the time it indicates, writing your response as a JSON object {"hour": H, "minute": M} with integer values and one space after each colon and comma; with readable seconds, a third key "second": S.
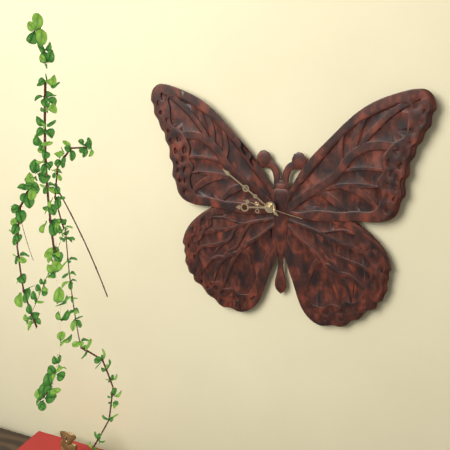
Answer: {"hour": 8, "minute": 51}
